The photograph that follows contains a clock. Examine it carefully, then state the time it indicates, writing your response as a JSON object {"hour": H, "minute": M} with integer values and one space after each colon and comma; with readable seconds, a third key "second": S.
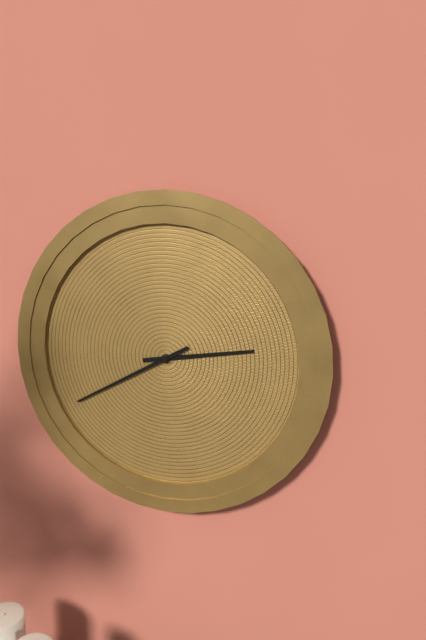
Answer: {"hour": 2, "minute": 40}
